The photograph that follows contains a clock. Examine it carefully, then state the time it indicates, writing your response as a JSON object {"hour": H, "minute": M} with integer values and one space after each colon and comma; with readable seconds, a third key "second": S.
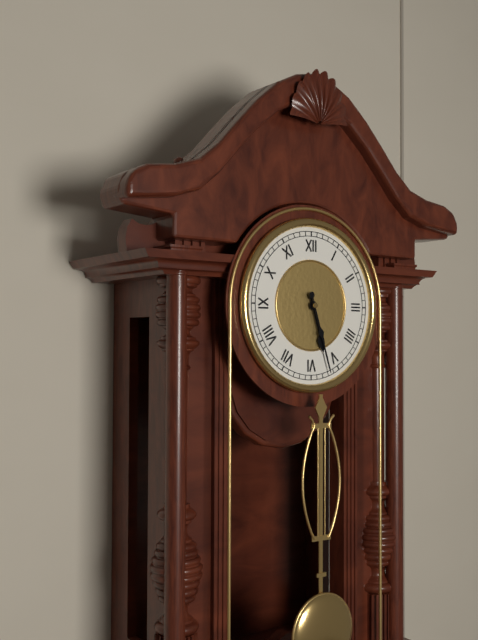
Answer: {"hour": 5, "minute": 27}
